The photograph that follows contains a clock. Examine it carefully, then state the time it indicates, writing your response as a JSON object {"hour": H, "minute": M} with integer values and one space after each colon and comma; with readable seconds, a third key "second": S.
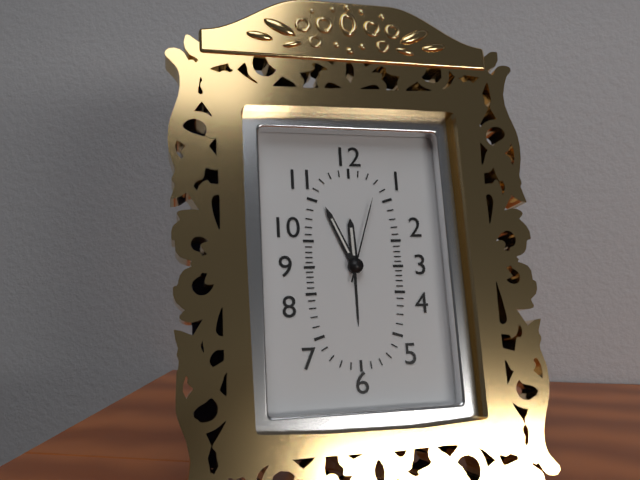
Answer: {"hour": 11, "minute": 56, "second": 3}
